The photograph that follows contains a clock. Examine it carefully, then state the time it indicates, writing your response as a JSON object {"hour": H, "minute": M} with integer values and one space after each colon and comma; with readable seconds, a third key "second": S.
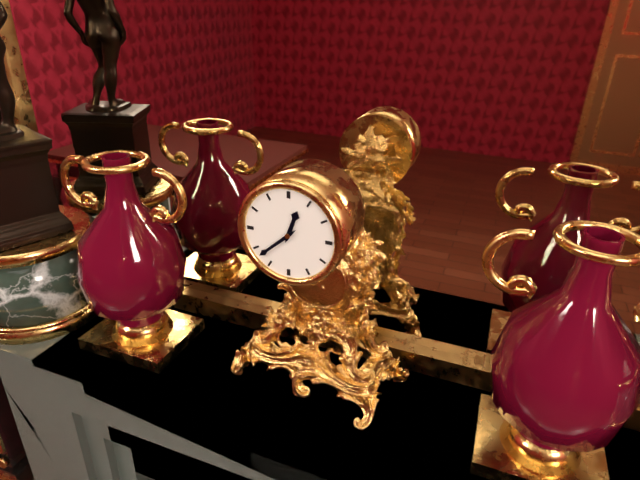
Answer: {"hour": 12, "minute": 38}
